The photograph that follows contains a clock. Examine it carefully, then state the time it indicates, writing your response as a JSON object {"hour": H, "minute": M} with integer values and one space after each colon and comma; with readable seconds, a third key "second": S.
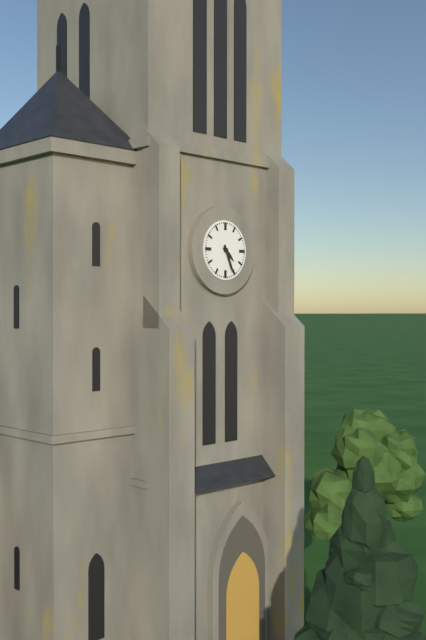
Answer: {"hour": 4, "minute": 26}
